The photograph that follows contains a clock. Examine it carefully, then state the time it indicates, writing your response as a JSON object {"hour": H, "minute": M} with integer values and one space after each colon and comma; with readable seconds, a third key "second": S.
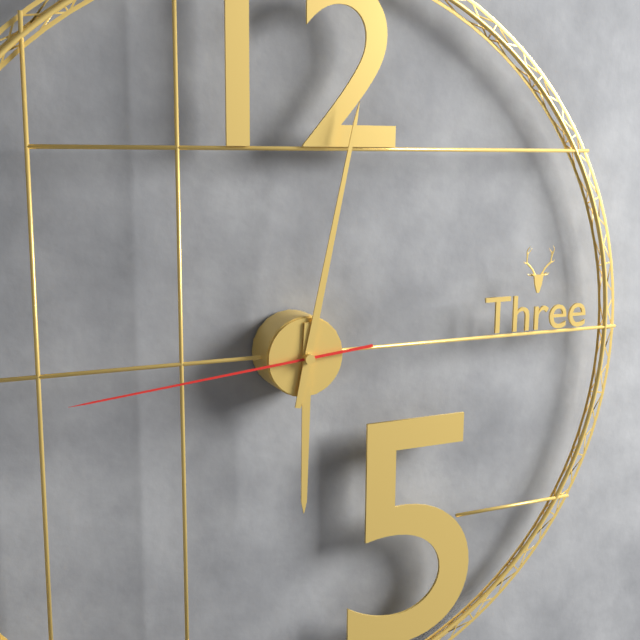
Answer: {"hour": 6, "minute": 2, "second": 44}
